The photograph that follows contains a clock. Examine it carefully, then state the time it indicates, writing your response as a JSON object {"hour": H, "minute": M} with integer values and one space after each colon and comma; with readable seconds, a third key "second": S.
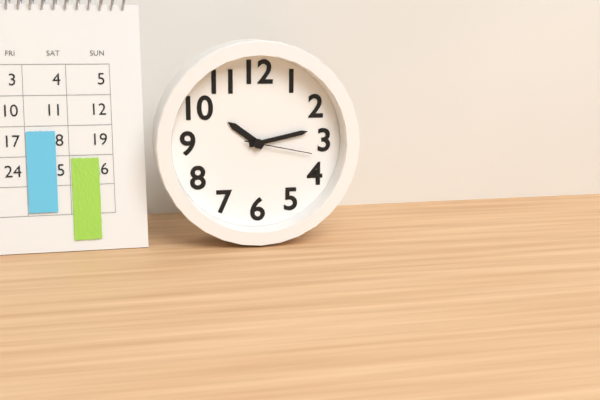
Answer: {"hour": 10, "minute": 13, "second": 17}
